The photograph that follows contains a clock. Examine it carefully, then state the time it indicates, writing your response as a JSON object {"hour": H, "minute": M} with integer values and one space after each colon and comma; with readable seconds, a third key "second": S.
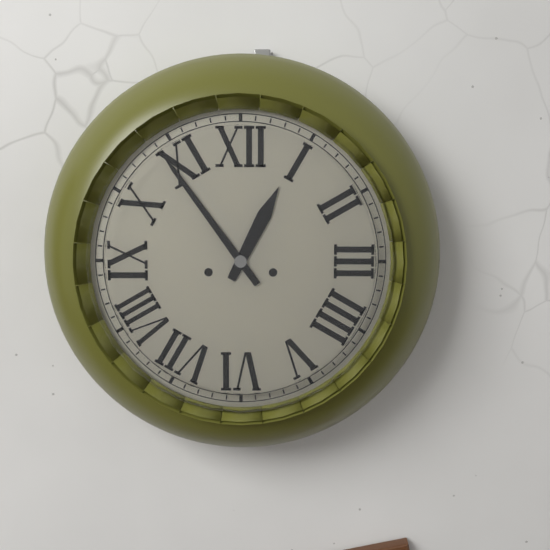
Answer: {"hour": 12, "minute": 54}
